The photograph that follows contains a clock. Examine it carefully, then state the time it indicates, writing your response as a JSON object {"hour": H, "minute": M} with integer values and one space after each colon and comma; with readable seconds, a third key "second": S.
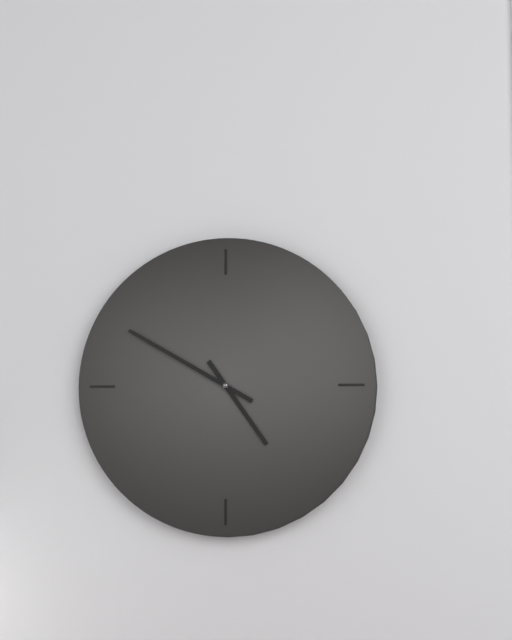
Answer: {"hour": 4, "minute": 50}
